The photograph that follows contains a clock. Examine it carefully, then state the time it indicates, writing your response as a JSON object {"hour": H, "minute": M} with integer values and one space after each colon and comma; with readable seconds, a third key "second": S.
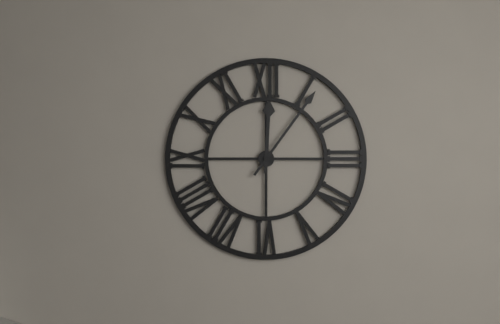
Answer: {"hour": 12, "minute": 6}
